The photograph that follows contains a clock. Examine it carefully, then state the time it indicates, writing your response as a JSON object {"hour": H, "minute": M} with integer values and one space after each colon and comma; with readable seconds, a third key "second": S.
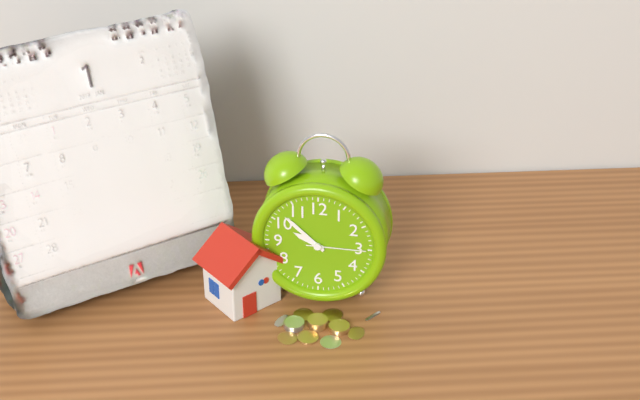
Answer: {"hour": 9, "minute": 52, "second": 15}
